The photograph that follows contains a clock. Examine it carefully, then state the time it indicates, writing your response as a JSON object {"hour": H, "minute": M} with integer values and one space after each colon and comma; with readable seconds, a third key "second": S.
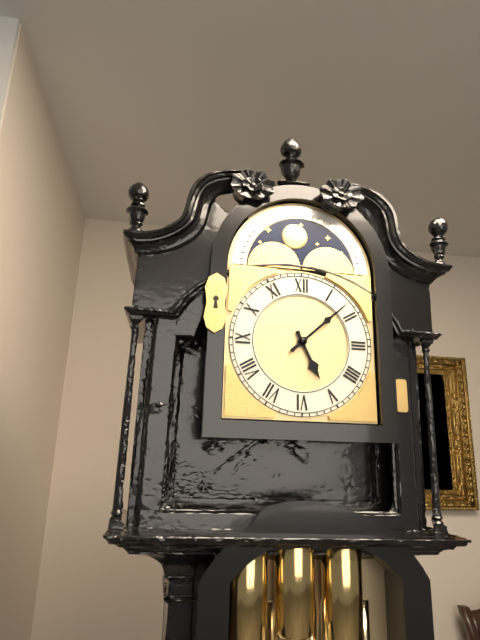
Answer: {"hour": 5, "minute": 8}
